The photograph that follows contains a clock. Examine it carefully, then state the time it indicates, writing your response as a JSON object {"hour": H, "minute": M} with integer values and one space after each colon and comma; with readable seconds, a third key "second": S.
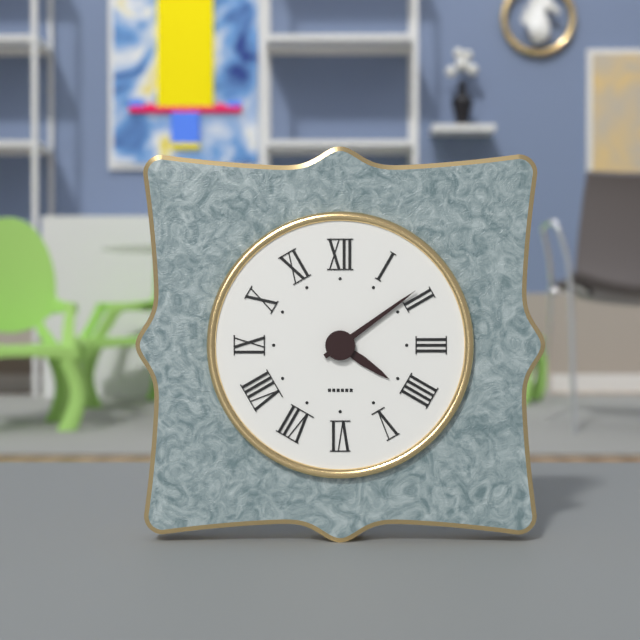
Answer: {"hour": 4, "minute": 9}
